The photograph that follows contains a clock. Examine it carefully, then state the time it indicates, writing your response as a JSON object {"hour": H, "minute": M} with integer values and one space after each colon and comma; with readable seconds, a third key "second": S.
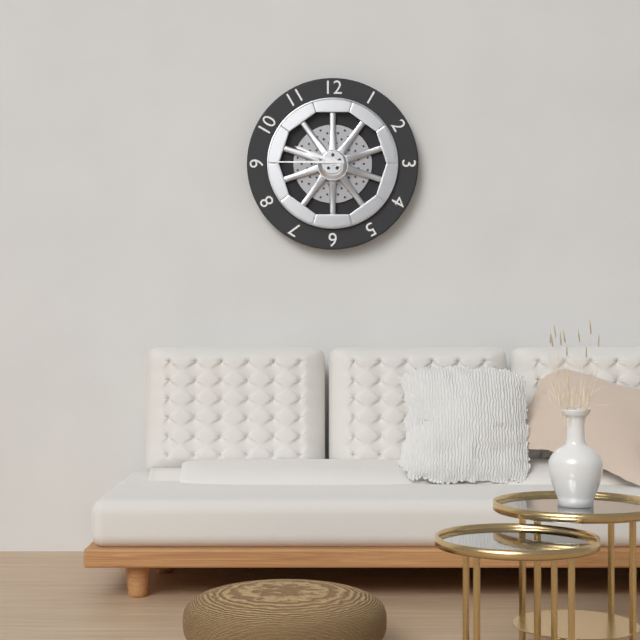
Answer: {"hour": 9, "minute": 45}
